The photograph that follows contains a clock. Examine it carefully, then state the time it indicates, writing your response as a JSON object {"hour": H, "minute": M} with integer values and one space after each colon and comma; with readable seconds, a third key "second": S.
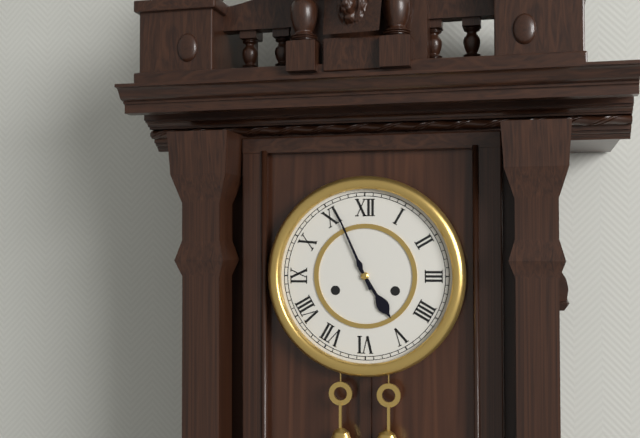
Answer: {"hour": 4, "minute": 56}
